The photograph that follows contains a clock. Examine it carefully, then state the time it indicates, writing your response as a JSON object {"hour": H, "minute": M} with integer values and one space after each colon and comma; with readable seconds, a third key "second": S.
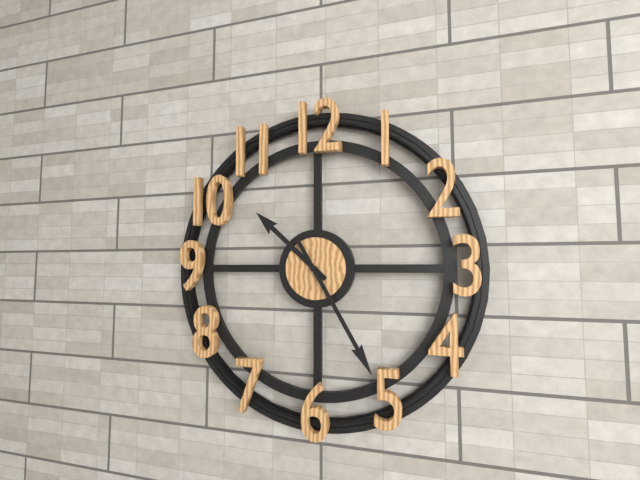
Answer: {"hour": 10, "minute": 25}
